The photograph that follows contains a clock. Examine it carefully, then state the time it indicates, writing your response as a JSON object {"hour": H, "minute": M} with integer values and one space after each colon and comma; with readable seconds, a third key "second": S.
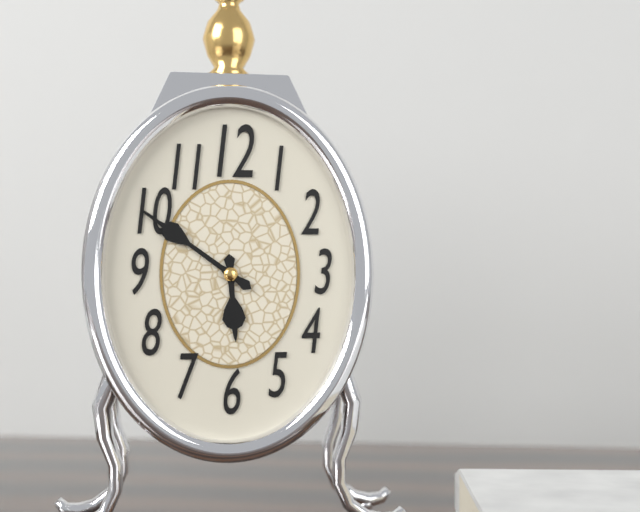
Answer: {"hour": 5, "minute": 51}
